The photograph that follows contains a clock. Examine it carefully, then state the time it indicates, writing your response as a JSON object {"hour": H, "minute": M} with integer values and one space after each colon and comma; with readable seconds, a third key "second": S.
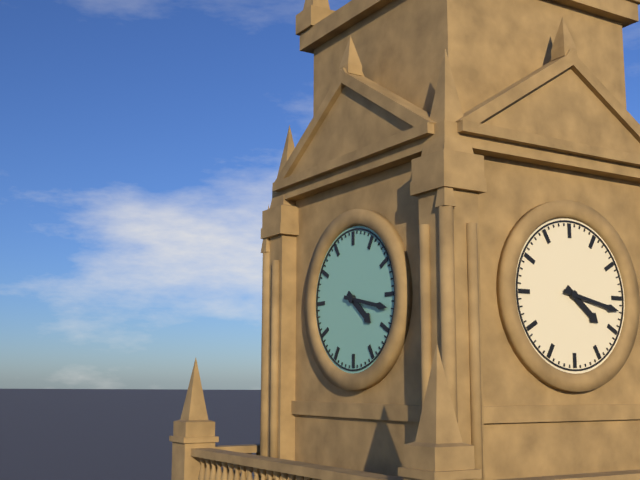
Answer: {"hour": 4, "minute": 17}
